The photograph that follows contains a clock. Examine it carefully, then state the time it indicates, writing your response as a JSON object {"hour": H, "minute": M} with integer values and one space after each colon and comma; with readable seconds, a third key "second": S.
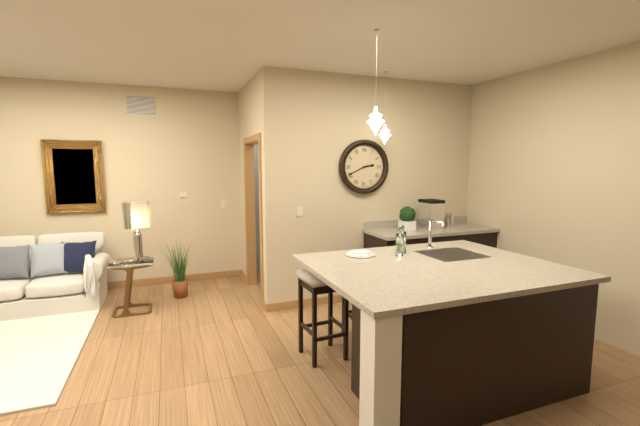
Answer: {"hour": 2, "minute": 41}
